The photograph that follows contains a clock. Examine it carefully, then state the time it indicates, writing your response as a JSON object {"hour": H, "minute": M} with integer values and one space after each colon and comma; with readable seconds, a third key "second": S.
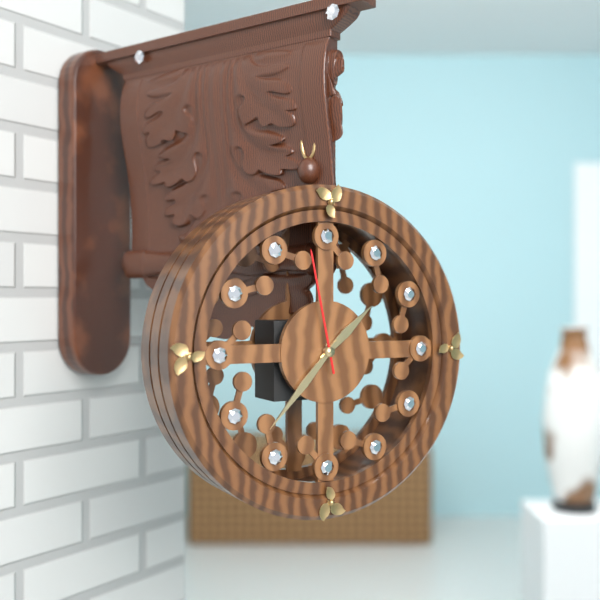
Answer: {"hour": 1, "minute": 37, "second": 58}
